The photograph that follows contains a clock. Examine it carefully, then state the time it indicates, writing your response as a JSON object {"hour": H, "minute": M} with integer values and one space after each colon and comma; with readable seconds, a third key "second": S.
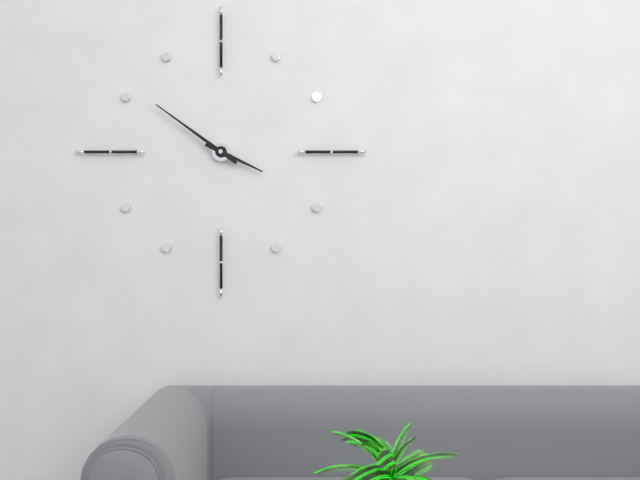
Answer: {"hour": 3, "minute": 51}
